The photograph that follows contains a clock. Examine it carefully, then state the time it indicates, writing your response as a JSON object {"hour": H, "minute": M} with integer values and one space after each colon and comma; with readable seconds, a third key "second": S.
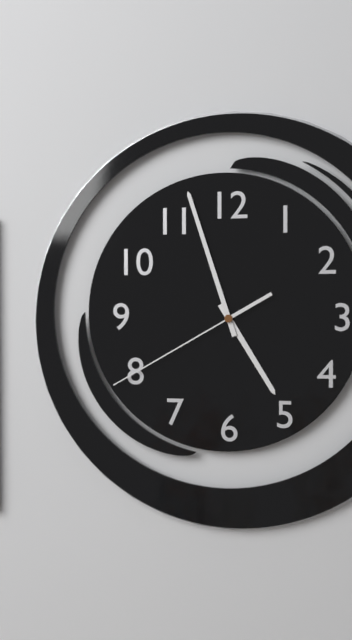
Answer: {"hour": 4, "minute": 57, "second": 40}
